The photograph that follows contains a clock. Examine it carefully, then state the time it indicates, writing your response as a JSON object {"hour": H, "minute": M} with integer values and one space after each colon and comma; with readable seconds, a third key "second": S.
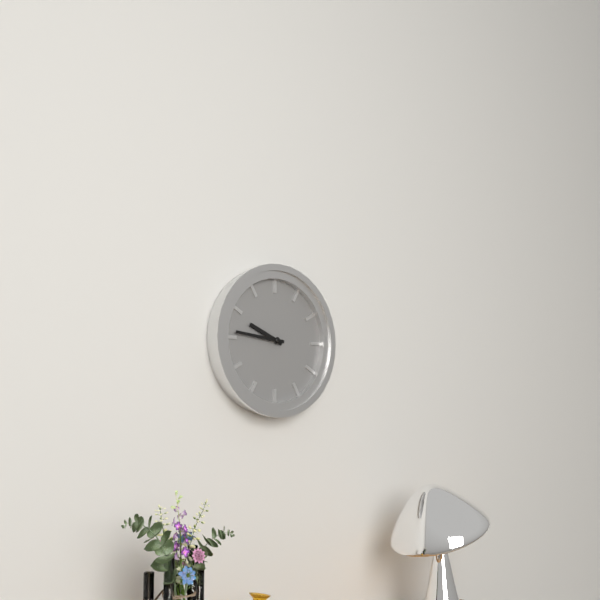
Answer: {"hour": 9, "minute": 46}
